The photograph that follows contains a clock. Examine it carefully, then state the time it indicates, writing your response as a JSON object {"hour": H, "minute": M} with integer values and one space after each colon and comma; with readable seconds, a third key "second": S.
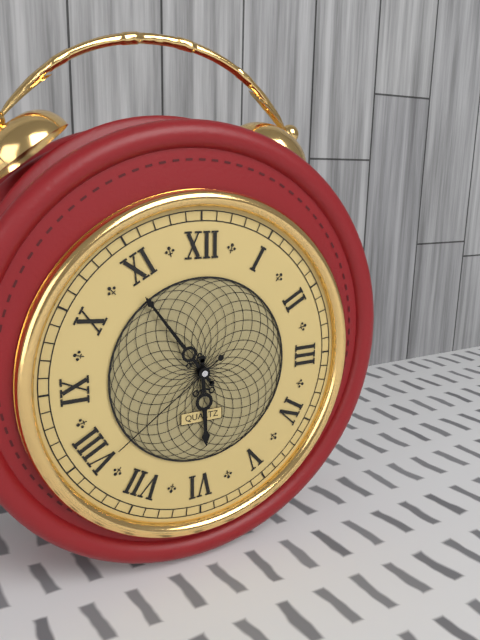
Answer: {"hour": 5, "minute": 54, "second": 39}
